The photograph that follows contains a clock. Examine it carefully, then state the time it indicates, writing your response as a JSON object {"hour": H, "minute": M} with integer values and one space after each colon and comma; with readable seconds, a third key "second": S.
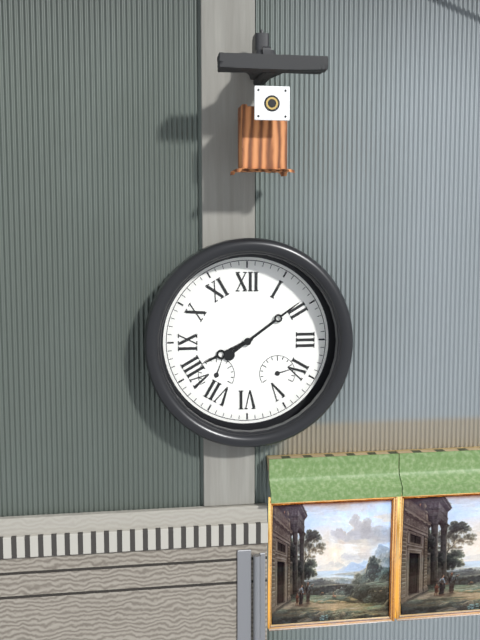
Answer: {"hour": 8, "minute": 9}
